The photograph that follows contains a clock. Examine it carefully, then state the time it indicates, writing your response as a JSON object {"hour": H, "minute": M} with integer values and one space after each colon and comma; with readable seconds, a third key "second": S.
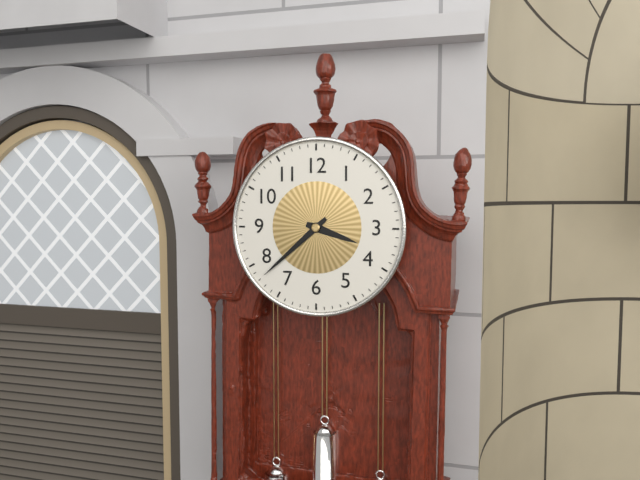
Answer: {"hour": 3, "minute": 38}
